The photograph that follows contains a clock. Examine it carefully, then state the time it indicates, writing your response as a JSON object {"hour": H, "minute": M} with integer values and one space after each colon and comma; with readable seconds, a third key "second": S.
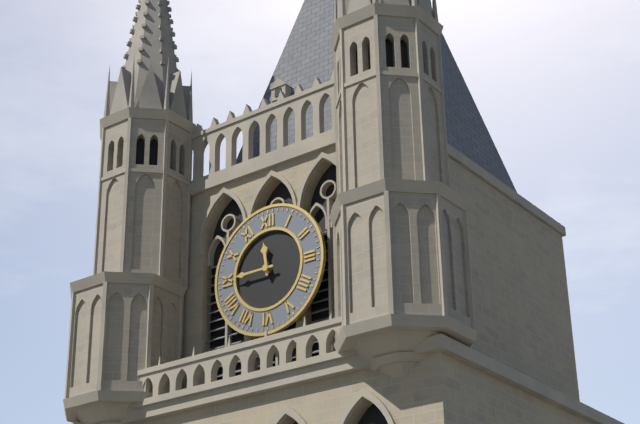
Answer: {"hour": 11, "minute": 45}
